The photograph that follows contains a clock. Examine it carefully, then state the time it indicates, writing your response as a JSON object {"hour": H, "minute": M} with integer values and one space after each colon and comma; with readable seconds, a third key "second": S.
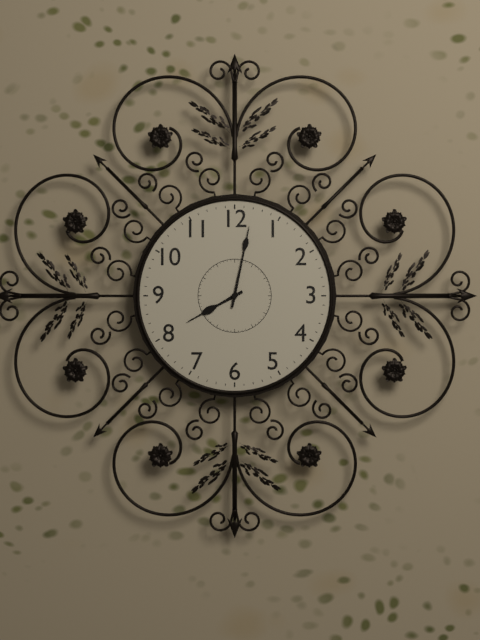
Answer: {"hour": 8, "minute": 2}
